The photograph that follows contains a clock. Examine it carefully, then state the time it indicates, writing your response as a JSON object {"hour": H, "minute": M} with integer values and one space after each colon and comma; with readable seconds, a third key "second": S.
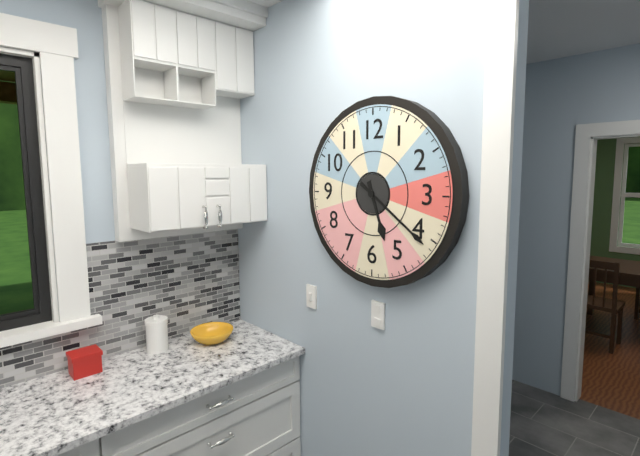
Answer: {"hour": 5, "minute": 21}
